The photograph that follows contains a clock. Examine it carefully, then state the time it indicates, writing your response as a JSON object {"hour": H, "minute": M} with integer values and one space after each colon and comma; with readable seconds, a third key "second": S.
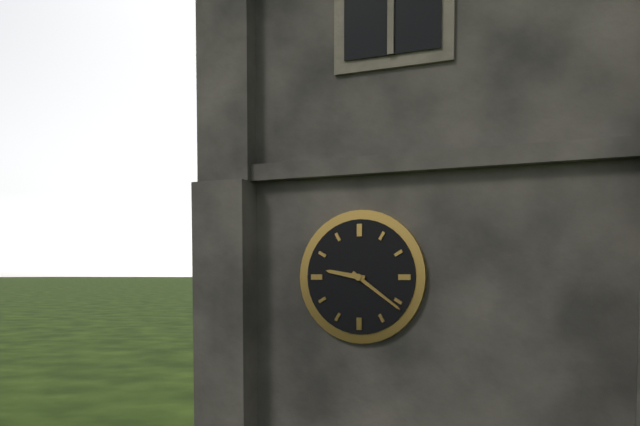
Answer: {"hour": 9, "minute": 21}
